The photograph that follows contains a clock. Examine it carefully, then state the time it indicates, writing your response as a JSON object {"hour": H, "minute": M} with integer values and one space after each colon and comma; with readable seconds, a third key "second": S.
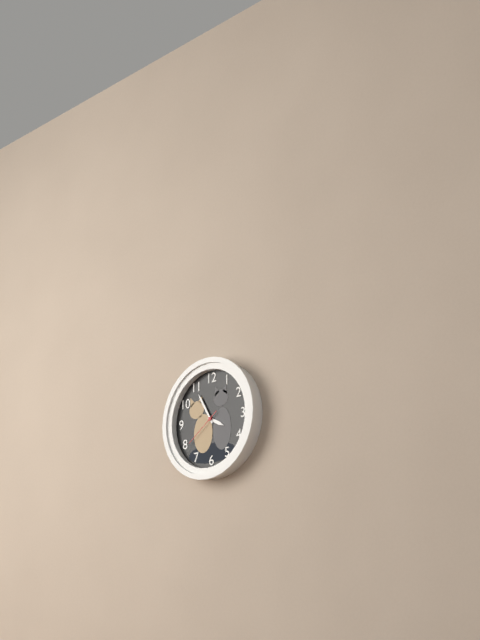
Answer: {"hour": 3, "minute": 55}
